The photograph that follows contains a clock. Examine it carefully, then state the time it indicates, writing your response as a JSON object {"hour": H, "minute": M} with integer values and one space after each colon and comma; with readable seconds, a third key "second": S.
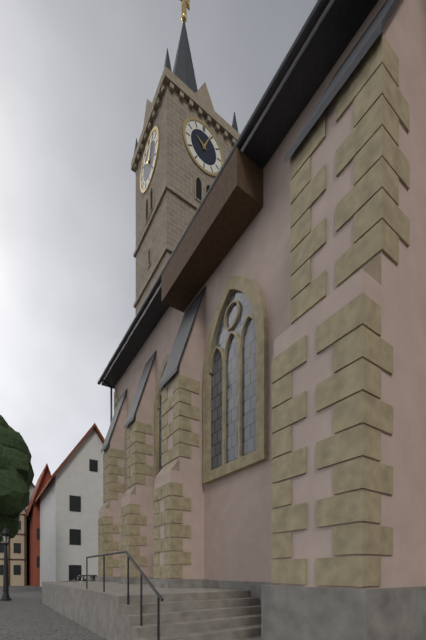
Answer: {"hour": 10, "minute": 4}
